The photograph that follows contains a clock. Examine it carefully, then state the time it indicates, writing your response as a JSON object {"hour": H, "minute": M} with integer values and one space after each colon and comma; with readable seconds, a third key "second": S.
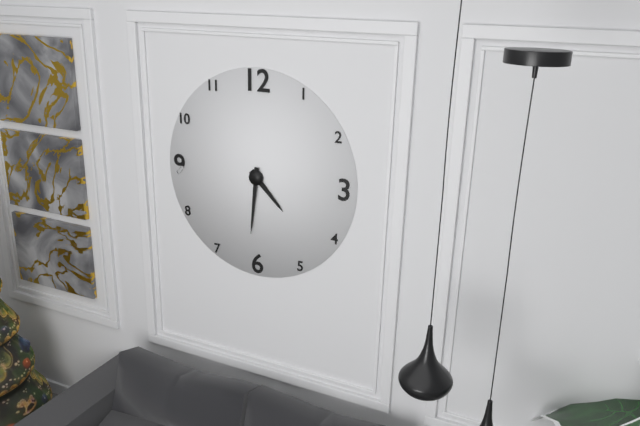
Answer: {"hour": 4, "minute": 31}
